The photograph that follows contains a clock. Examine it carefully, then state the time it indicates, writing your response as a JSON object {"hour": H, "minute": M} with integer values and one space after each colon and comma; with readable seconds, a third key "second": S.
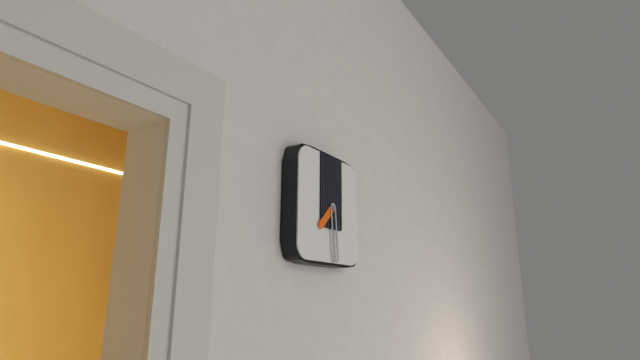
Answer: {"hour": 7, "minute": 29}
